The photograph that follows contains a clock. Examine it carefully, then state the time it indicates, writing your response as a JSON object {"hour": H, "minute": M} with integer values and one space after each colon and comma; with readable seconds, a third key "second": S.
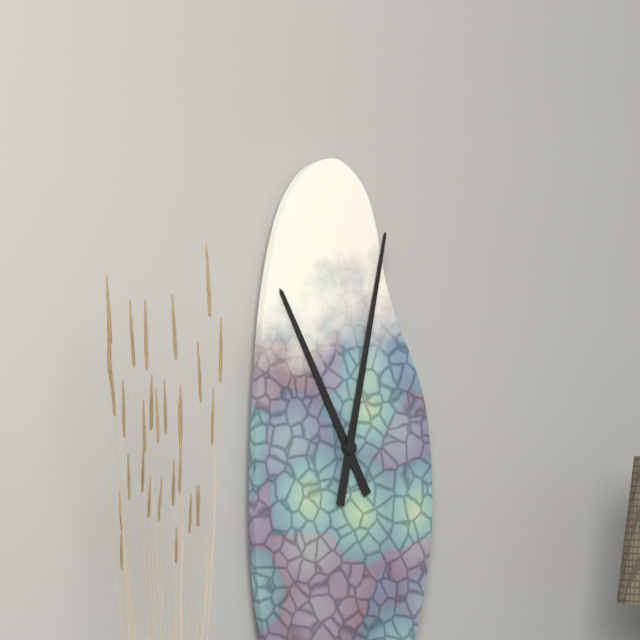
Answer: {"hour": 11, "minute": 2}
